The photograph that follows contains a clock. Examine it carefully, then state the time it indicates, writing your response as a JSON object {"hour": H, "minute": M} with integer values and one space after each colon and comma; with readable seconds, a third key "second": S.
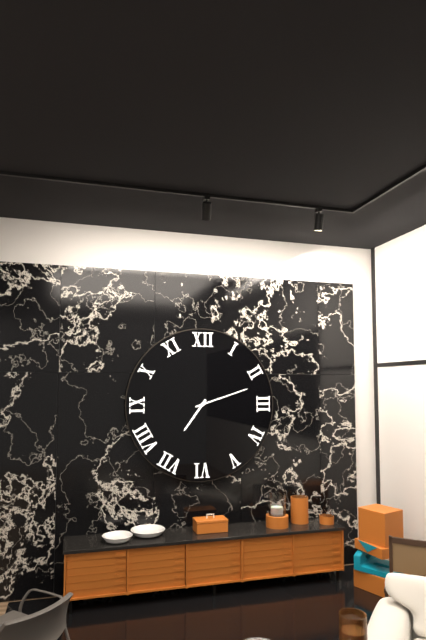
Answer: {"hour": 7, "minute": 12}
